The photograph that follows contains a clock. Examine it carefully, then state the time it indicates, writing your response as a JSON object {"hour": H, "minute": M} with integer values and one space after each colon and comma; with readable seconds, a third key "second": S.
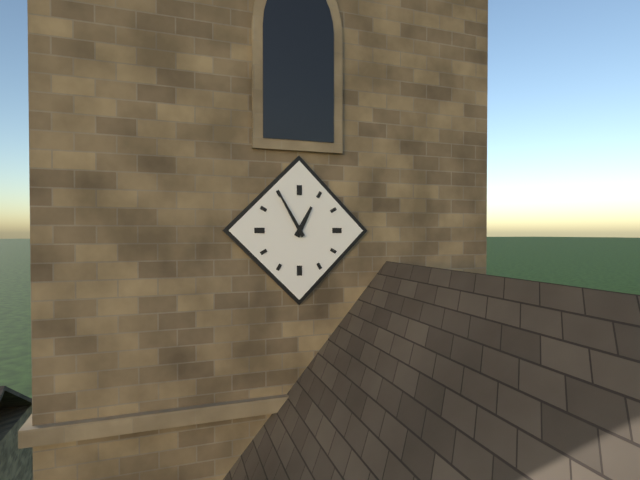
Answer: {"hour": 12, "minute": 55}
